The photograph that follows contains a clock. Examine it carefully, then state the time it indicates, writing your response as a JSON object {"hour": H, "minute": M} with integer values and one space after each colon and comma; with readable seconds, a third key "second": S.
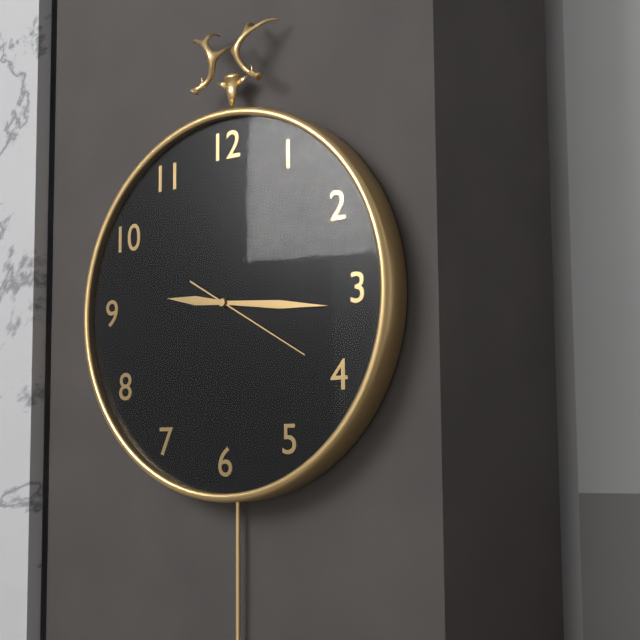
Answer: {"hour": 9, "minute": 16, "second": 20}
